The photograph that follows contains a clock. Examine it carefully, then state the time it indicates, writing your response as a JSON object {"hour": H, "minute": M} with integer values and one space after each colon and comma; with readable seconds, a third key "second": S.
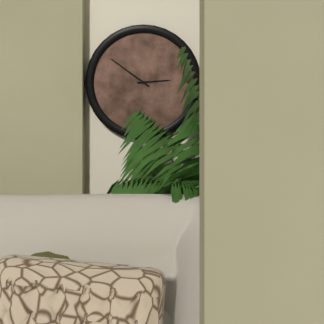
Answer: {"hour": 2, "minute": 51}
